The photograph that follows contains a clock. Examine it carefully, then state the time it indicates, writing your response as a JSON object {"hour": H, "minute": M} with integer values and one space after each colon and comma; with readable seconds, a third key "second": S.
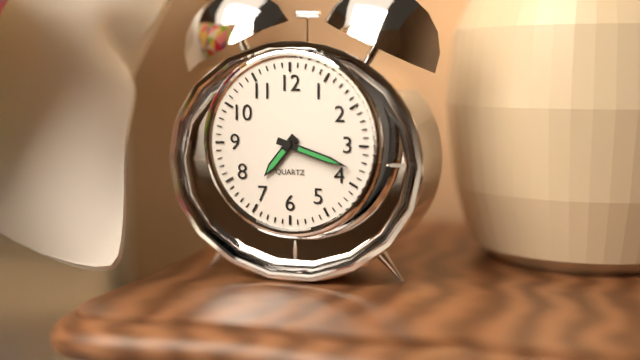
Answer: {"hour": 7, "minute": 18}
